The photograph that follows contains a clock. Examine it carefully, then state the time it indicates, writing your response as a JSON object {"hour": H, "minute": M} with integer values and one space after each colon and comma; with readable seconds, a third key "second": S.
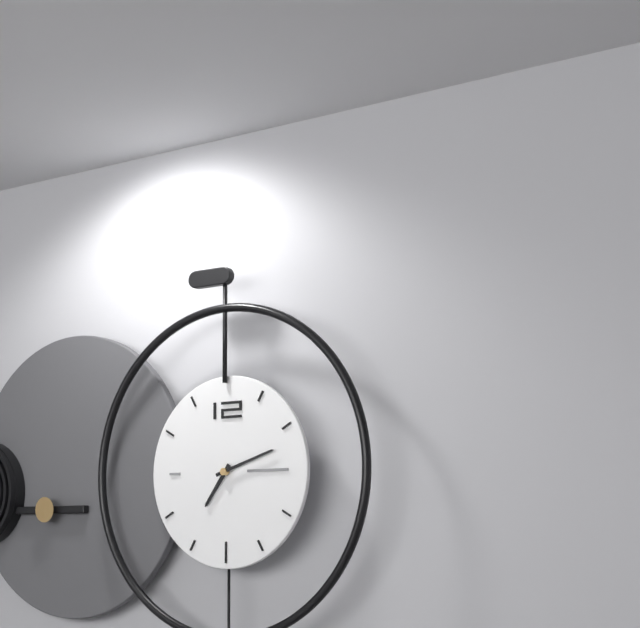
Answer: {"hour": 7, "minute": 12}
